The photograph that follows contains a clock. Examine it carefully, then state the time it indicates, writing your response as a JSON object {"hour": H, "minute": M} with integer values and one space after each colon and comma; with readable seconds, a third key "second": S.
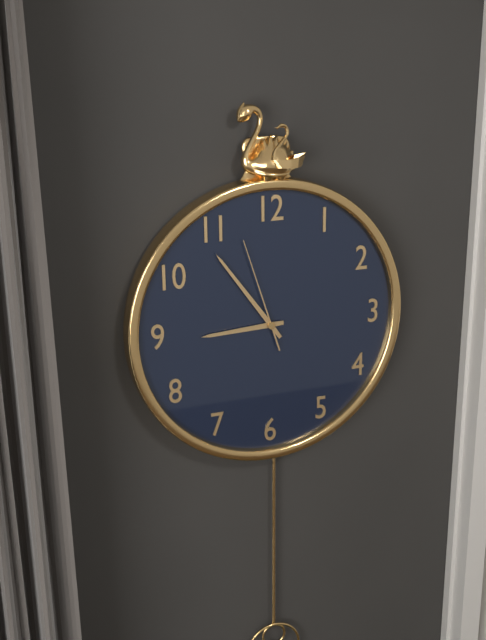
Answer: {"hour": 8, "minute": 54, "second": 57}
